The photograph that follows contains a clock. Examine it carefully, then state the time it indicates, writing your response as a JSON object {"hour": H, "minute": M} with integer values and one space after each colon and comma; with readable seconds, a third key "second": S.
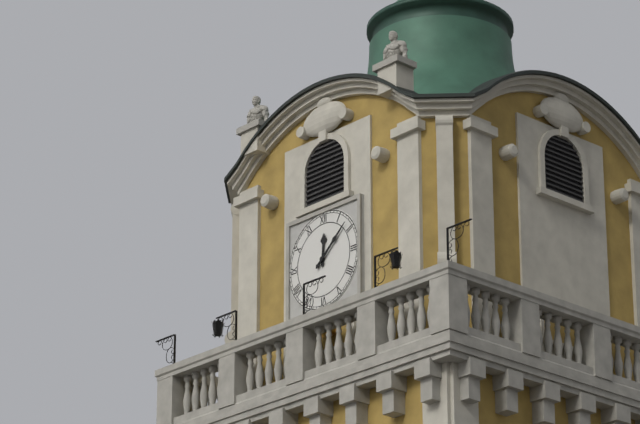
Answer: {"hour": 12, "minute": 8}
